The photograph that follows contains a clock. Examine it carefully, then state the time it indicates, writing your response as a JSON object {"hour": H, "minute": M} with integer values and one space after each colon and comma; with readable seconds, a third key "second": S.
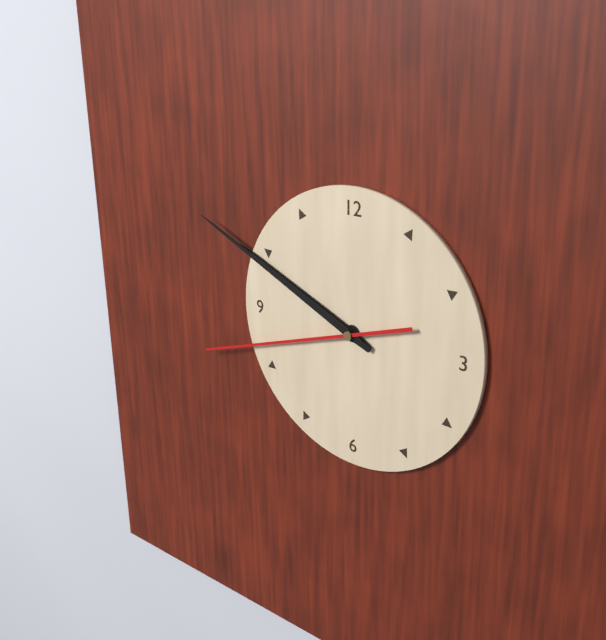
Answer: {"hour": 9, "minute": 49, "second": 42}
